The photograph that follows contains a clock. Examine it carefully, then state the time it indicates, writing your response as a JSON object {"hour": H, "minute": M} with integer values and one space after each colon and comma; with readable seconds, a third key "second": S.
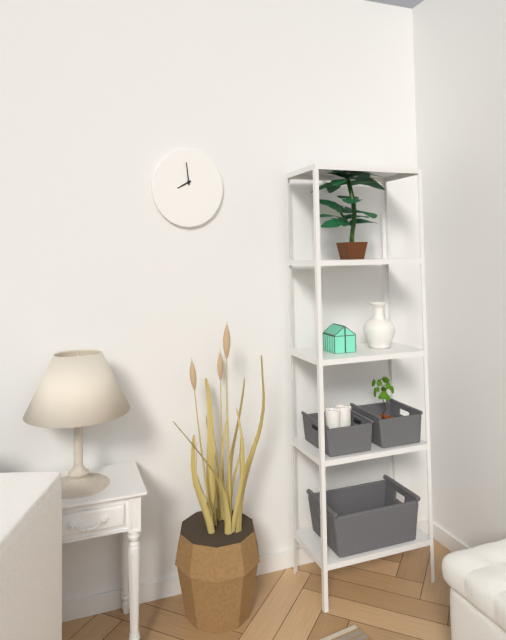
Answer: {"hour": 7, "minute": 59}
